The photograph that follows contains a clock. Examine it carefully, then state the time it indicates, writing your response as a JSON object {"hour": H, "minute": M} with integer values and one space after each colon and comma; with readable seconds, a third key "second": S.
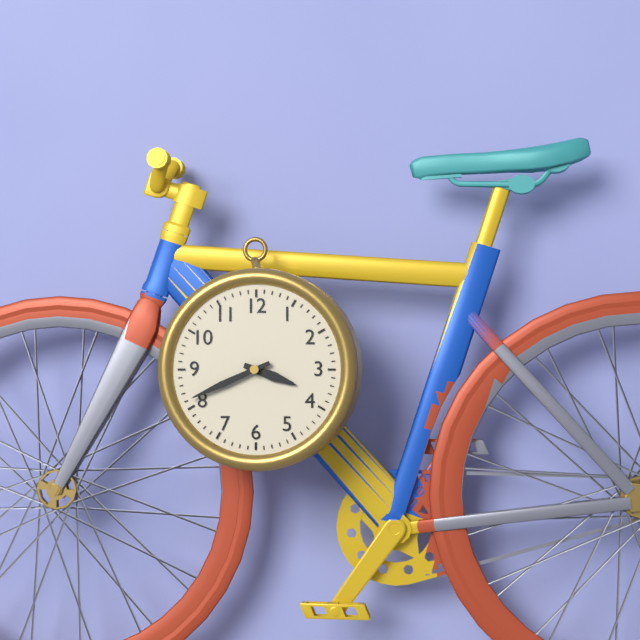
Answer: {"hour": 3, "minute": 41}
